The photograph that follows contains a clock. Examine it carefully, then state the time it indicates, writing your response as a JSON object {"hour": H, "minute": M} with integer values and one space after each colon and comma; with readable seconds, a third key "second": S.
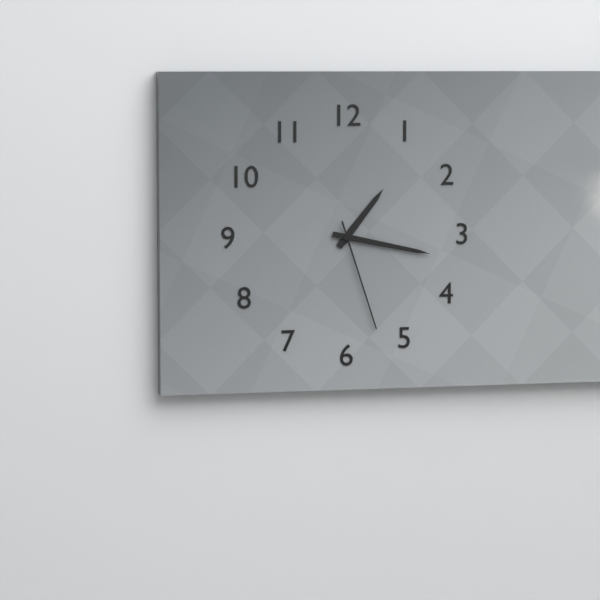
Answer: {"hour": 1, "minute": 17, "second": 27}
